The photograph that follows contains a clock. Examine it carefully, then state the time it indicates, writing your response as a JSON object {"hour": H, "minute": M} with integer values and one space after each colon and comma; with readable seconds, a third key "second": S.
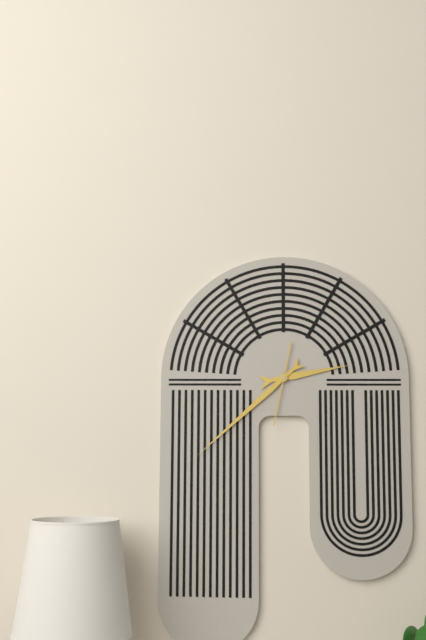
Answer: {"hour": 2, "minute": 38, "second": 32}
